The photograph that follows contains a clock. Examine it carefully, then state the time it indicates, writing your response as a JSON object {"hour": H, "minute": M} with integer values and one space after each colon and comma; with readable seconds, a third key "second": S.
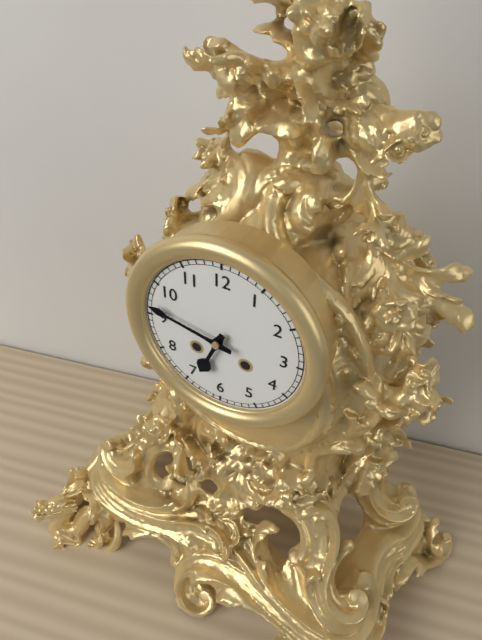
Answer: {"hour": 6, "minute": 47}
